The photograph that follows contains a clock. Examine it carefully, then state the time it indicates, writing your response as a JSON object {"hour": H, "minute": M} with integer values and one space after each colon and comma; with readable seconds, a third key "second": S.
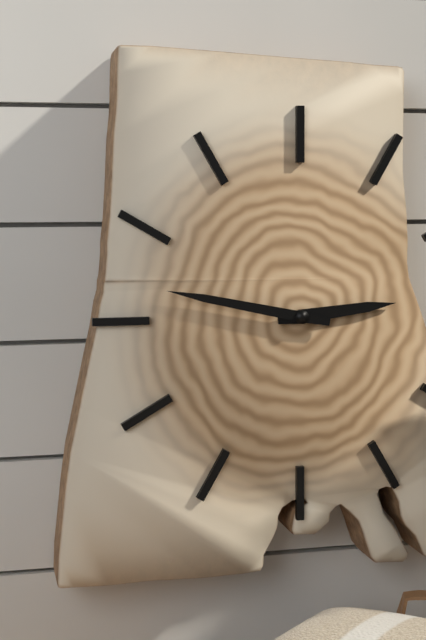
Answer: {"hour": 2, "minute": 47}
